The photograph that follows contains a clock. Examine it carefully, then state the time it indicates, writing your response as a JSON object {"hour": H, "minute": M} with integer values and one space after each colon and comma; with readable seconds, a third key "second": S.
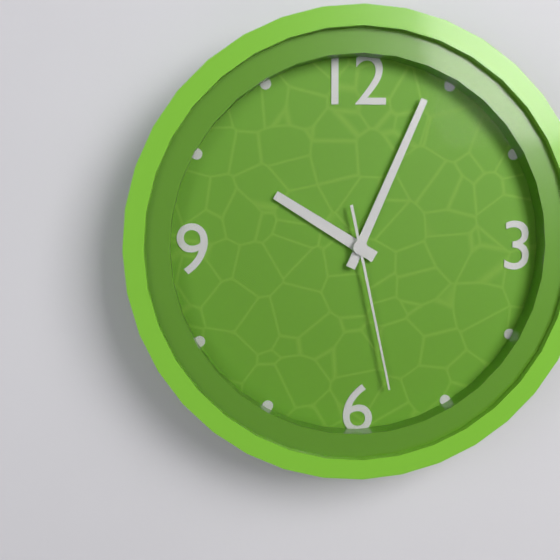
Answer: {"hour": 10, "minute": 4, "second": 28}
